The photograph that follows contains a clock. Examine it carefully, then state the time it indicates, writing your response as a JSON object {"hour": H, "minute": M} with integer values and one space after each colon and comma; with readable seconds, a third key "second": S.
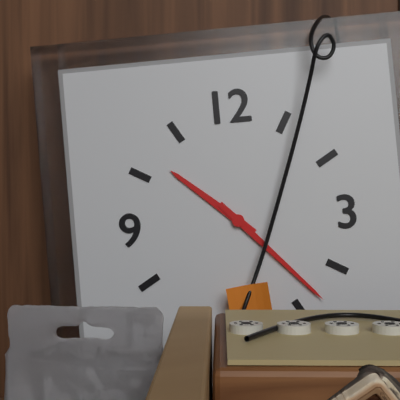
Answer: {"hour": 10, "minute": 23}
